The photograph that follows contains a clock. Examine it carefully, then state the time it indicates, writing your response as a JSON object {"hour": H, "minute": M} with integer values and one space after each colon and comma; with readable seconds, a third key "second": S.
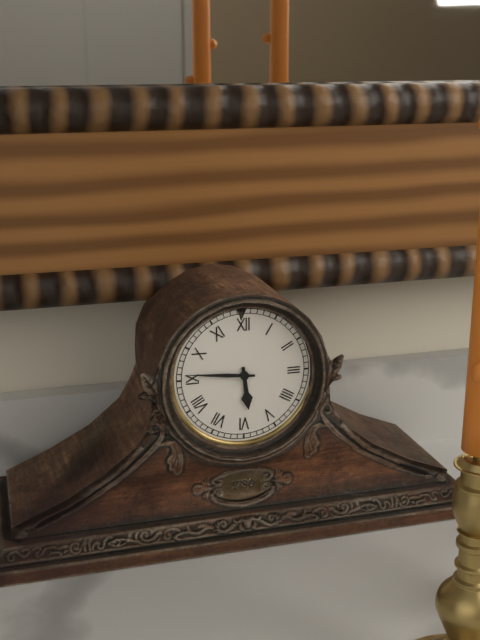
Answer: {"hour": 5, "minute": 46}
